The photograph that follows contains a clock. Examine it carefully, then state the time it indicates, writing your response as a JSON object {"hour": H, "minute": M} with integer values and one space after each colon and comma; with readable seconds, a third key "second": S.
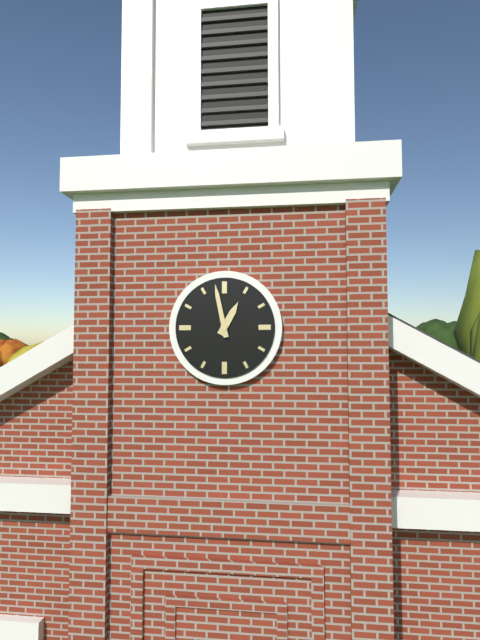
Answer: {"hour": 12, "minute": 58}
